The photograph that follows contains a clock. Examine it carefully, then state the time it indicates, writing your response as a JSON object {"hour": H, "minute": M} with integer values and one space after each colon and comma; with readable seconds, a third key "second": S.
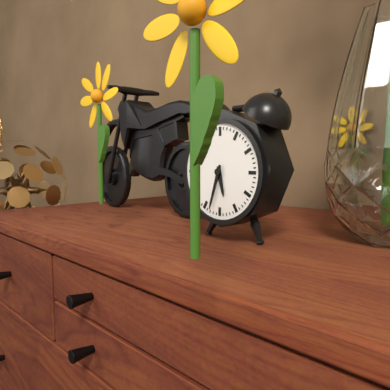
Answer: {"hour": 5, "minute": 33}
